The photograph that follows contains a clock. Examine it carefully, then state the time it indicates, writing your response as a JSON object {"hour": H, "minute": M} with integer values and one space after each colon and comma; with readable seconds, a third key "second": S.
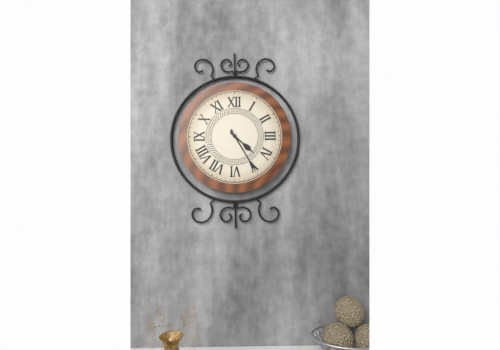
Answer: {"hour": 4, "minute": 25}
